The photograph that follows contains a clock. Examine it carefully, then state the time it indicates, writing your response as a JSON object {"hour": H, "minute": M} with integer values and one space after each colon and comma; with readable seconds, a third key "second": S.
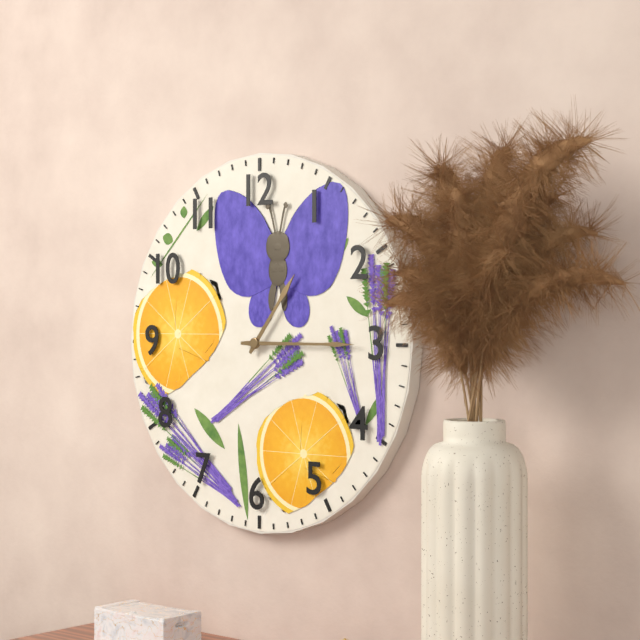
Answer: {"hour": 1, "minute": 15}
